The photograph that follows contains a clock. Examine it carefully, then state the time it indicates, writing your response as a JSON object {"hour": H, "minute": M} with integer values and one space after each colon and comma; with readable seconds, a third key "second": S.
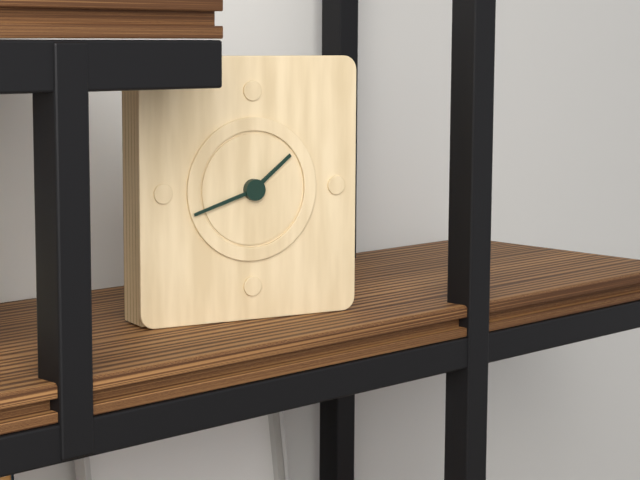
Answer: {"hour": 1, "minute": 42}
